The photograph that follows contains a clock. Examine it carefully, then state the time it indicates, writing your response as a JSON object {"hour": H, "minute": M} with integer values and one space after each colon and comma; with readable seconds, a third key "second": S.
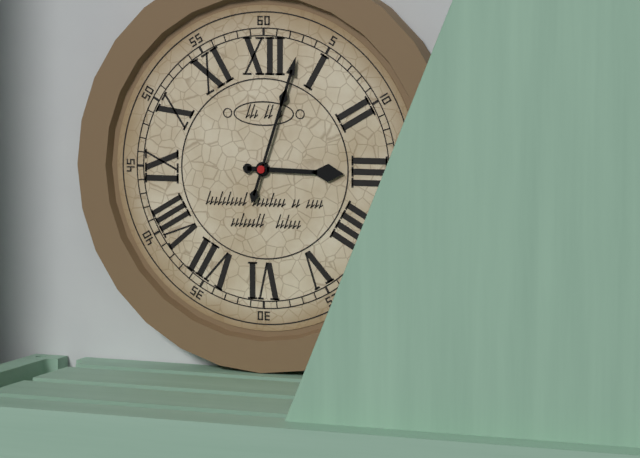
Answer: {"hour": 3, "minute": 3}
